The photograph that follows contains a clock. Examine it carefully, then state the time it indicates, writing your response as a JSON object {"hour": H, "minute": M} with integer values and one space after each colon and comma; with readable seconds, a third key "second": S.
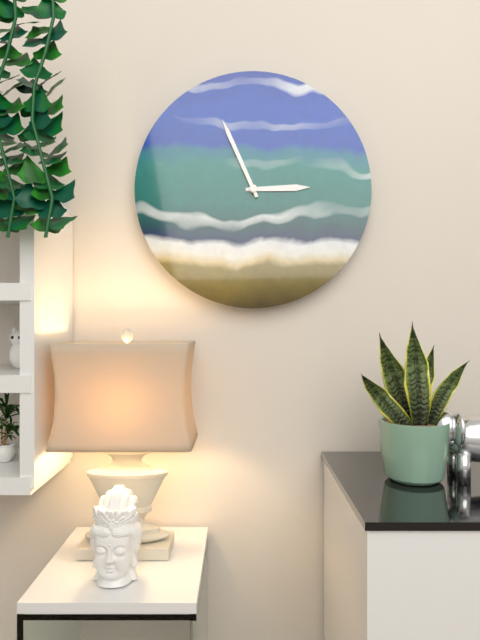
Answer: {"hour": 2, "minute": 56}
